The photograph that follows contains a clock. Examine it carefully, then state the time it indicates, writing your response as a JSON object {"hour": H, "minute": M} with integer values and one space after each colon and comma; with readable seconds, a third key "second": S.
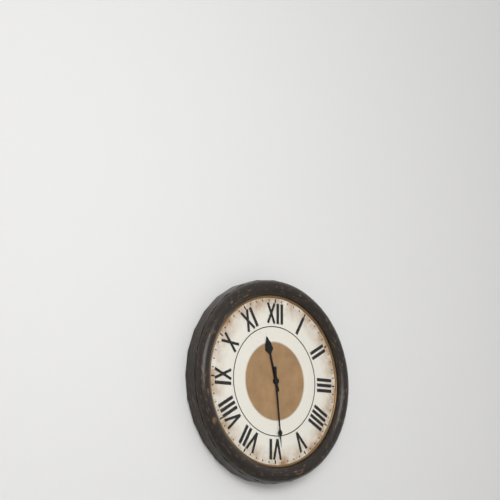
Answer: {"hour": 11, "minute": 29}
